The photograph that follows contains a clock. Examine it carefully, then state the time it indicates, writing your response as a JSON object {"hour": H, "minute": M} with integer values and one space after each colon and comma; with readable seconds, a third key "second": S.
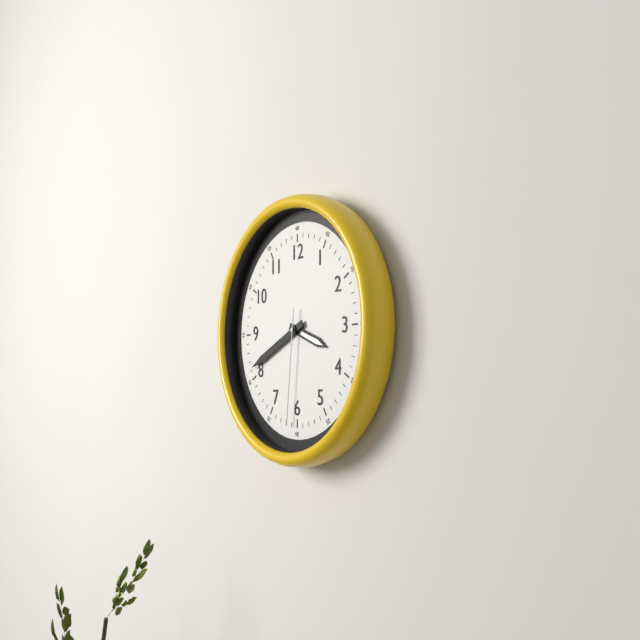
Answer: {"hour": 3, "minute": 41, "second": 31}
